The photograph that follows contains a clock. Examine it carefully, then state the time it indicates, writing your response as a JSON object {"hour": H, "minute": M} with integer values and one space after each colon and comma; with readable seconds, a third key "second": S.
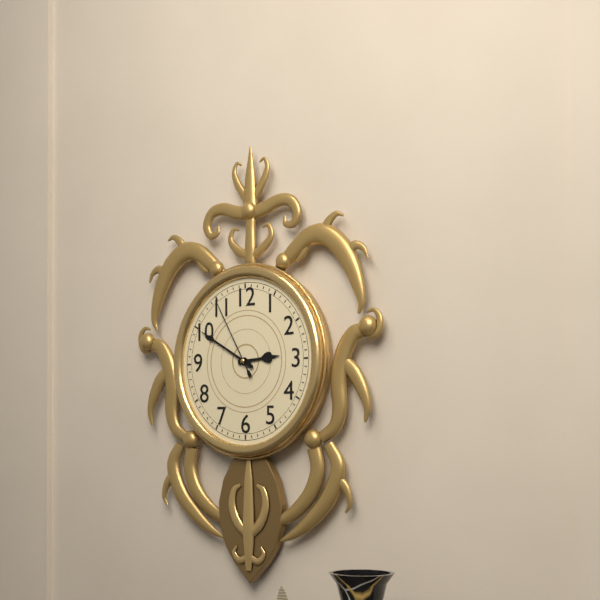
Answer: {"hour": 2, "minute": 50, "second": 55}
